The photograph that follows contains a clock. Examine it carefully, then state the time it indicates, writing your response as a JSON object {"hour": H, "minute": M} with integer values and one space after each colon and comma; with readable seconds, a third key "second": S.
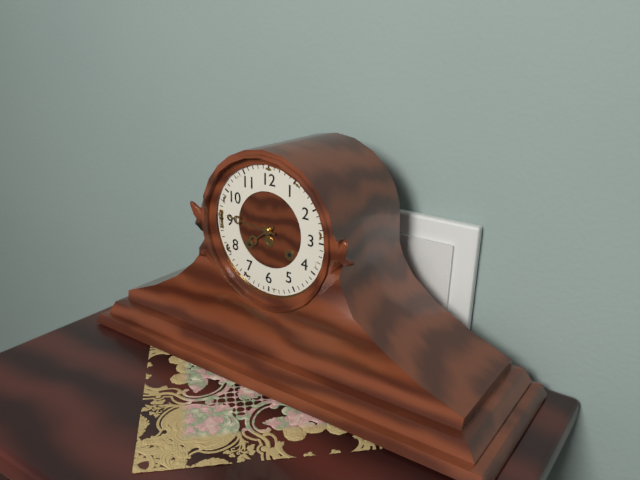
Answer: {"hour": 7, "minute": 46}
